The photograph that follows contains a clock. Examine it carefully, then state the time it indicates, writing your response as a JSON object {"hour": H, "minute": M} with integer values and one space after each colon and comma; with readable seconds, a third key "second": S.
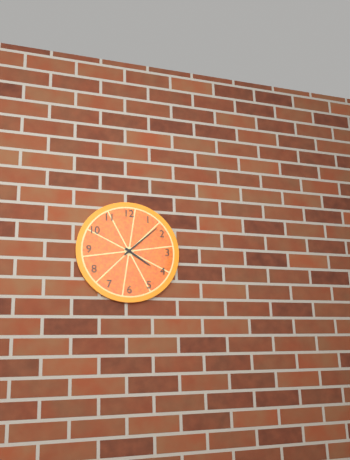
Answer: {"hour": 4, "minute": 8}
